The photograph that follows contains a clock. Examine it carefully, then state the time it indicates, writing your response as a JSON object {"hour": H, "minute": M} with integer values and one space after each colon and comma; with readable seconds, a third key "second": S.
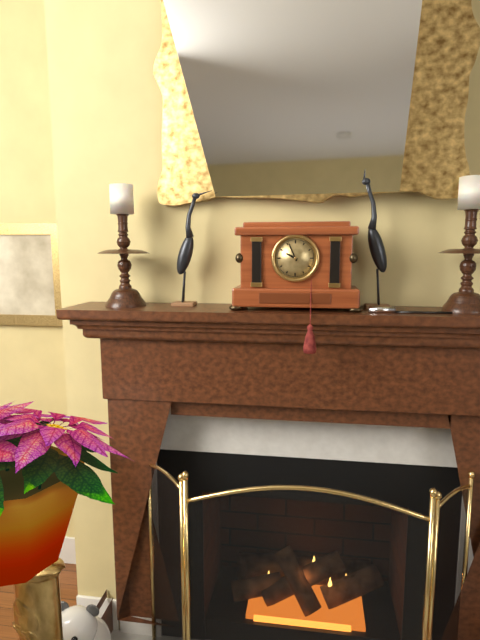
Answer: {"hour": 9, "minute": 56}
